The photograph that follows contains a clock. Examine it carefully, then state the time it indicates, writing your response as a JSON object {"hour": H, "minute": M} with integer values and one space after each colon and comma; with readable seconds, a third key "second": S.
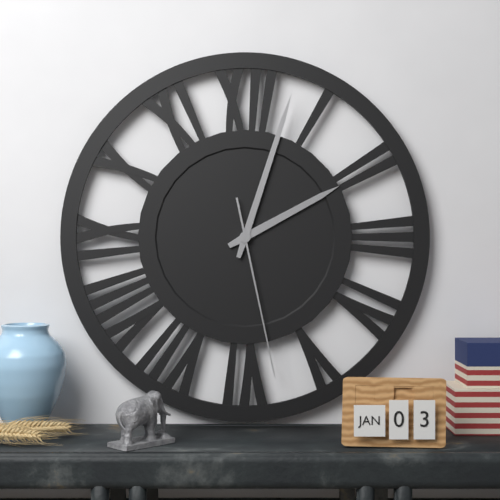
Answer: {"hour": 2, "minute": 3, "second": 28}
